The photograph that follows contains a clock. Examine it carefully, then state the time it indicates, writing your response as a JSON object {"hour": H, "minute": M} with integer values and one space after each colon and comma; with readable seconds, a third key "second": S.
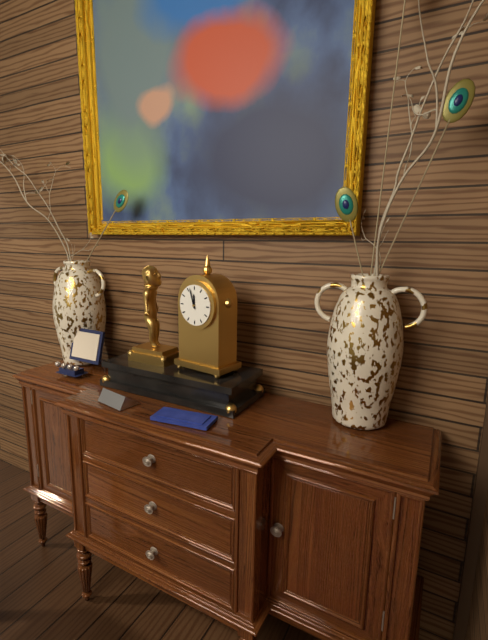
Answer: {"hour": 11, "minute": 57}
